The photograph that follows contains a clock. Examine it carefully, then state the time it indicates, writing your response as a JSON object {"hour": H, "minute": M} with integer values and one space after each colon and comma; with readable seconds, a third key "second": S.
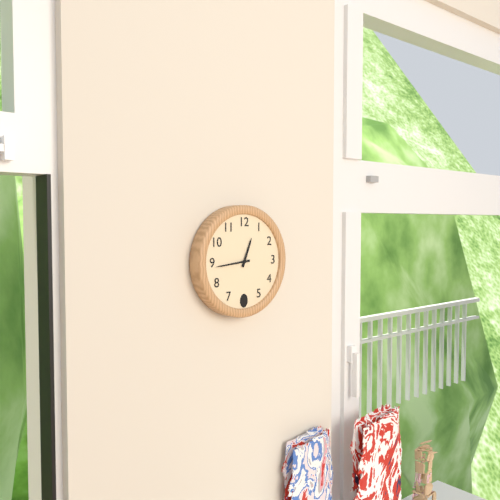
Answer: {"hour": 12, "minute": 44}
